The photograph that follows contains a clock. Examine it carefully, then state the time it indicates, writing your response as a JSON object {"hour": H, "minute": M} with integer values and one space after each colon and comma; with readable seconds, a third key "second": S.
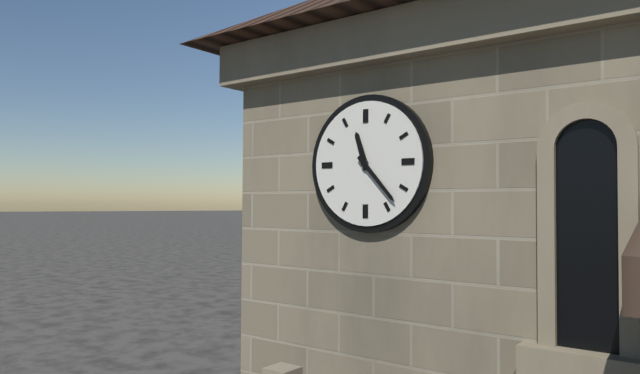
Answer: {"hour": 11, "minute": 23}
